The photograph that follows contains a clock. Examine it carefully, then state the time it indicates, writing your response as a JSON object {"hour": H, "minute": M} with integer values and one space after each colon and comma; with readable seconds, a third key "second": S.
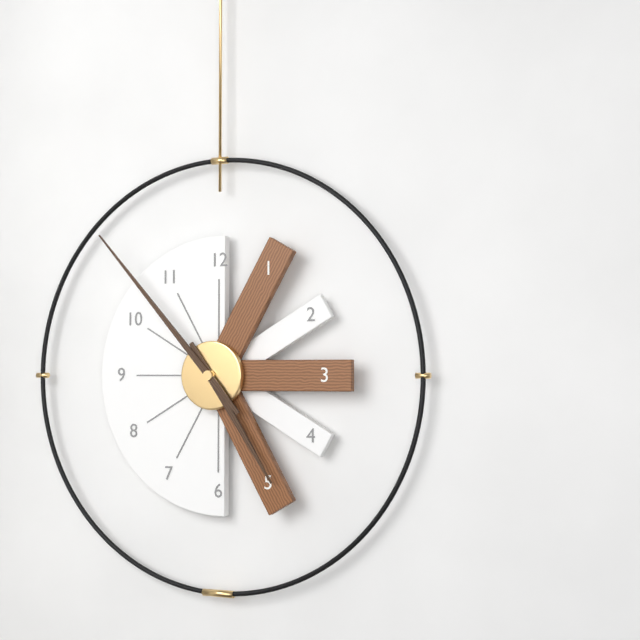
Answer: {"hour": 4, "minute": 53}
